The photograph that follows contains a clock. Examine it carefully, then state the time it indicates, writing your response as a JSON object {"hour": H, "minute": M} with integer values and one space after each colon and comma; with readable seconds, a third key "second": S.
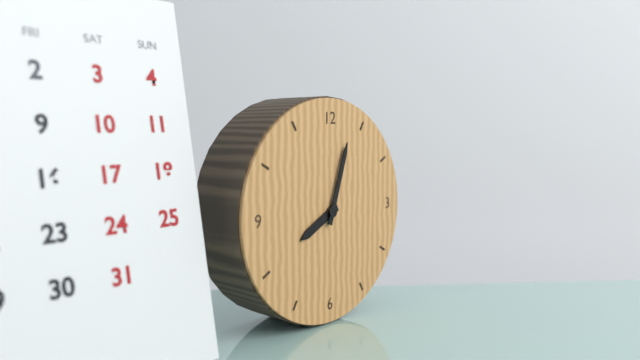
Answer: {"hour": 8, "minute": 3}
